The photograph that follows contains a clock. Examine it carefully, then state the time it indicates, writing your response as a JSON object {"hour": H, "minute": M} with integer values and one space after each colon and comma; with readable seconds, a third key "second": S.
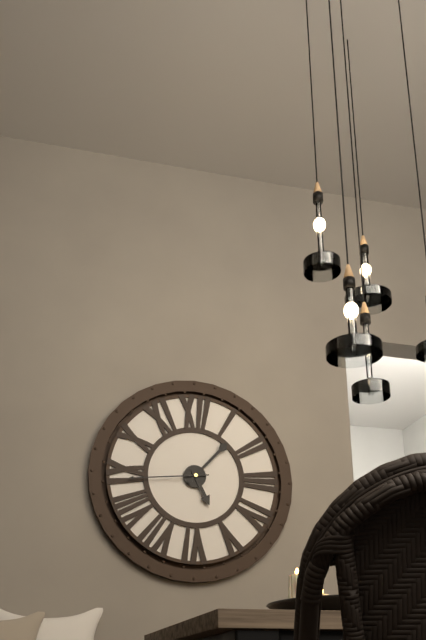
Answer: {"hour": 5, "minute": 7, "second": 44}
